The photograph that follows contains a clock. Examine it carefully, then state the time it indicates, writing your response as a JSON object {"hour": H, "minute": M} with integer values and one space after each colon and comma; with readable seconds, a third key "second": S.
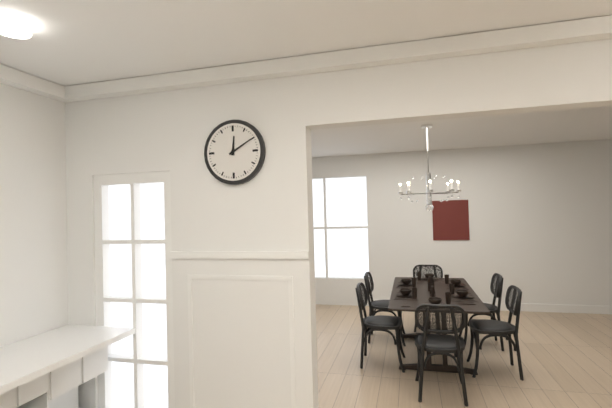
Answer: {"hour": 12, "minute": 10}
